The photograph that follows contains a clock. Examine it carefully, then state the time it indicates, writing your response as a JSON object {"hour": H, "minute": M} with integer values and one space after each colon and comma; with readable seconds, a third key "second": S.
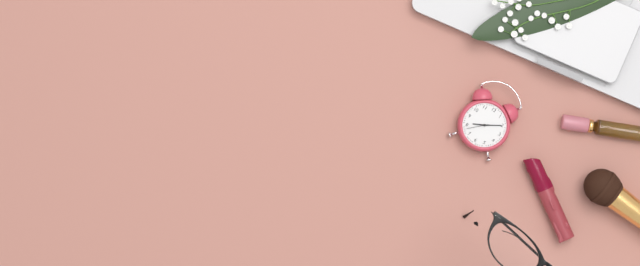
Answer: {"hour": 8, "minute": 10}
